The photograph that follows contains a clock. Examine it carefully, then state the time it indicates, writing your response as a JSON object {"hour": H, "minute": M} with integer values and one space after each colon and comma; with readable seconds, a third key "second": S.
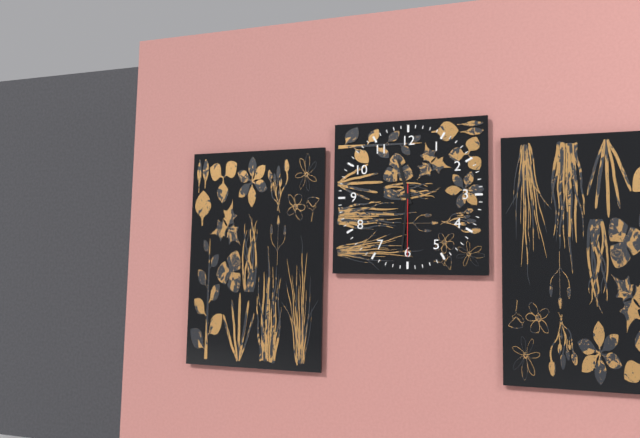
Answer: {"hour": 11, "minute": 31, "second": 30}
